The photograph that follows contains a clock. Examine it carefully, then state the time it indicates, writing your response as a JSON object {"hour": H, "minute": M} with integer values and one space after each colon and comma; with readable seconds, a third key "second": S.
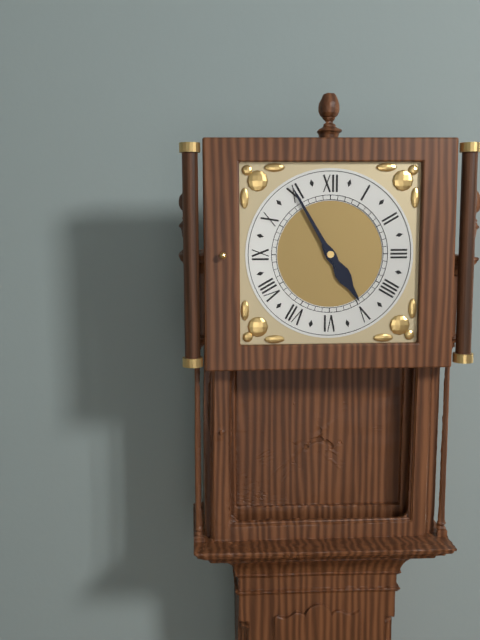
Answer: {"hour": 4, "minute": 55}
